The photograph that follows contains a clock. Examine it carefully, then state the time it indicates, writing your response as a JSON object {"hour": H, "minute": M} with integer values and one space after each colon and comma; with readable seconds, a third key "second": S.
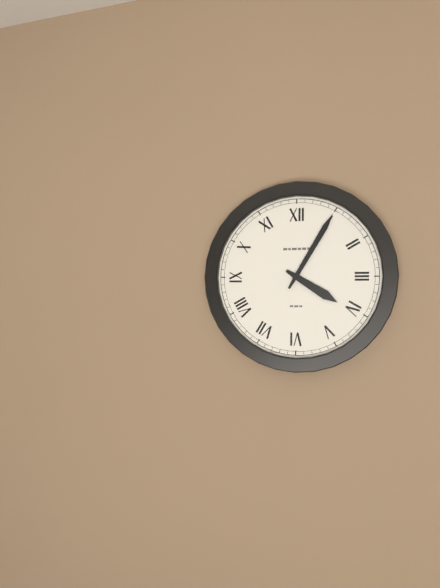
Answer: {"hour": 4, "minute": 5}
